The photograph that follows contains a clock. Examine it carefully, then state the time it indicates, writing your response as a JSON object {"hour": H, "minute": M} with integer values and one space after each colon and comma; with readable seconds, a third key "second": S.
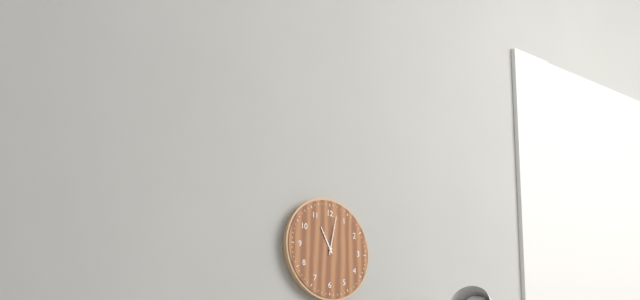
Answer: {"hour": 11, "minute": 2}
